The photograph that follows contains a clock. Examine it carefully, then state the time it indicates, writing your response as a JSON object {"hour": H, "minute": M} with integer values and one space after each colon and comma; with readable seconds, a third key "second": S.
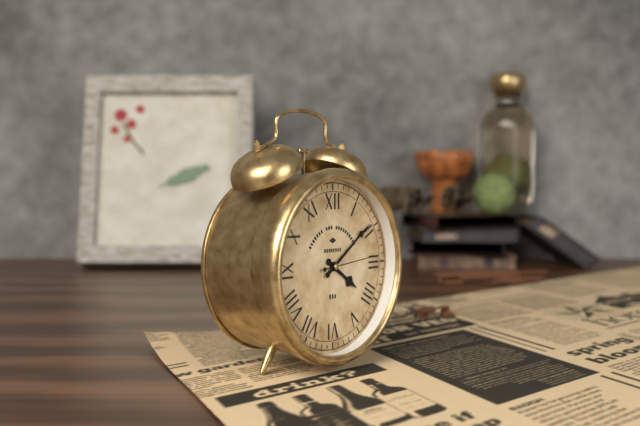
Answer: {"hour": 4, "minute": 9, "second": 14}
